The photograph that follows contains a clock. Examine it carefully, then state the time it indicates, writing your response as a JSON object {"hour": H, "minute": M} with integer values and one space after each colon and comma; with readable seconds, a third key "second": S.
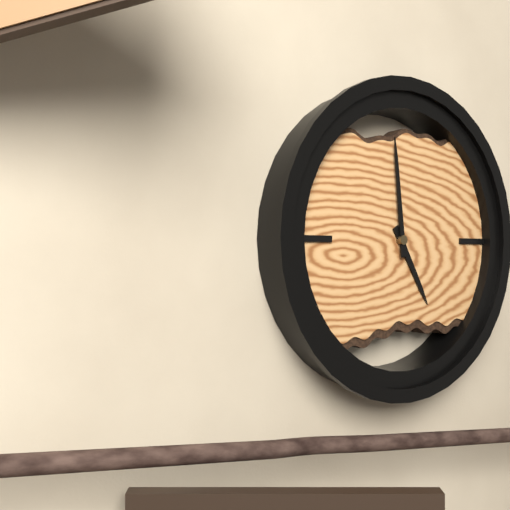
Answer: {"hour": 4, "minute": 59}
